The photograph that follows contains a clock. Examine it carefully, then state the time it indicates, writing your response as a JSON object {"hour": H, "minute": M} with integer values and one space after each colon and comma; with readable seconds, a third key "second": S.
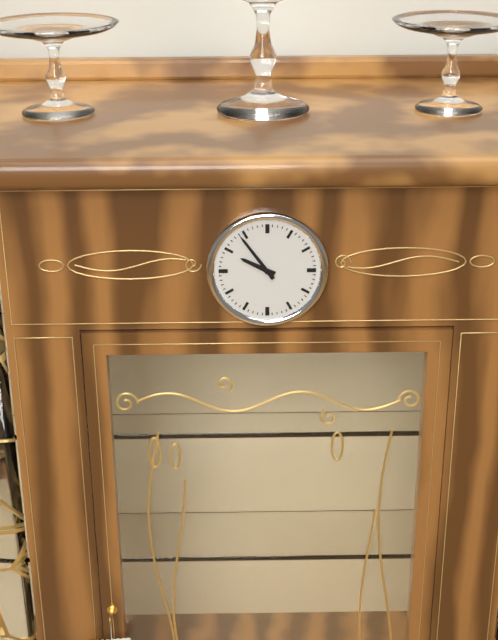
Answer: {"hour": 9, "minute": 54}
